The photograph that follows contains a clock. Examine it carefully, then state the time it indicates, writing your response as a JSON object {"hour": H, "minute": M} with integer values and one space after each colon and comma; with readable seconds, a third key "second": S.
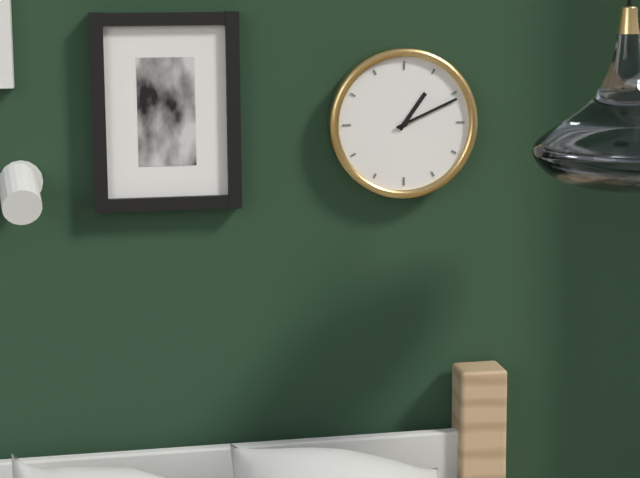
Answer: {"hour": 1, "minute": 11}
